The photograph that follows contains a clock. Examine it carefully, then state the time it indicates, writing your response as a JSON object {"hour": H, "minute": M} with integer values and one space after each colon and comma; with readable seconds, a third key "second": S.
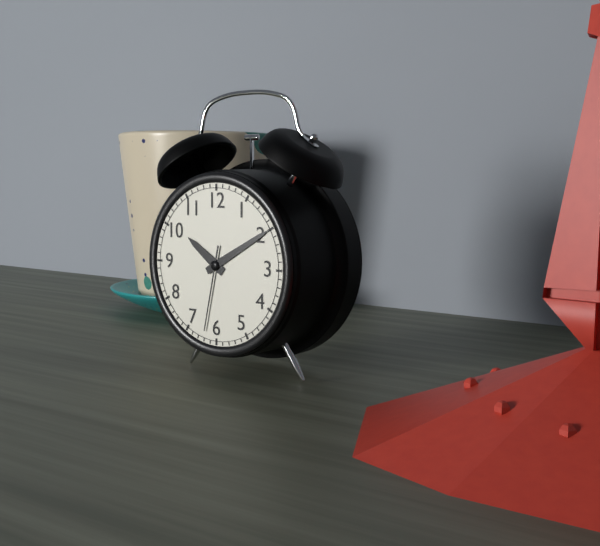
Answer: {"hour": 10, "minute": 10, "second": 32}
